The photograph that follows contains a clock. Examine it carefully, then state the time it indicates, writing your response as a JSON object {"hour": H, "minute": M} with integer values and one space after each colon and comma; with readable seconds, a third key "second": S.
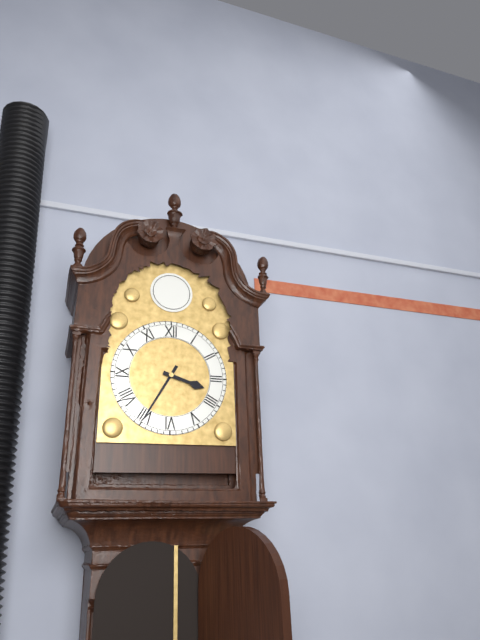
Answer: {"hour": 3, "minute": 35}
